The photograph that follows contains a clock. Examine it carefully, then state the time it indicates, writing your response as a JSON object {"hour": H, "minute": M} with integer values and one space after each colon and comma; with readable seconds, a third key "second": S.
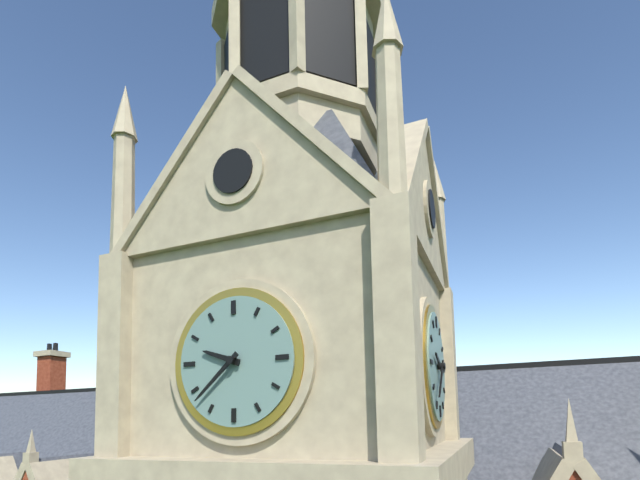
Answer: {"hour": 9, "minute": 38}
